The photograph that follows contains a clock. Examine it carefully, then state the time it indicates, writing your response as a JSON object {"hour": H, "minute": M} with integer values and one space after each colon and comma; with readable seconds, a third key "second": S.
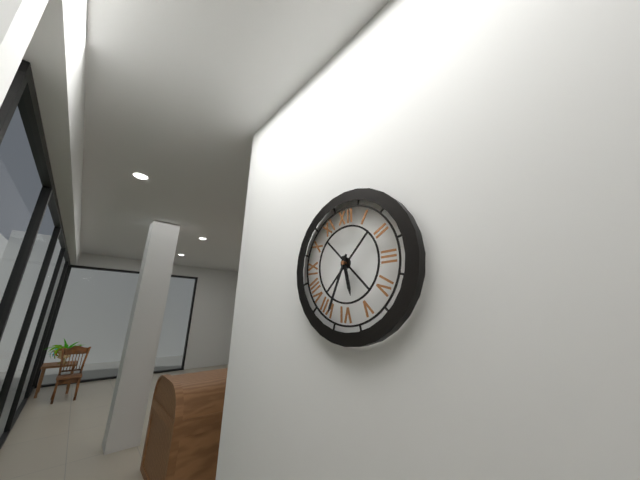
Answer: {"hour": 5, "minute": 34}
